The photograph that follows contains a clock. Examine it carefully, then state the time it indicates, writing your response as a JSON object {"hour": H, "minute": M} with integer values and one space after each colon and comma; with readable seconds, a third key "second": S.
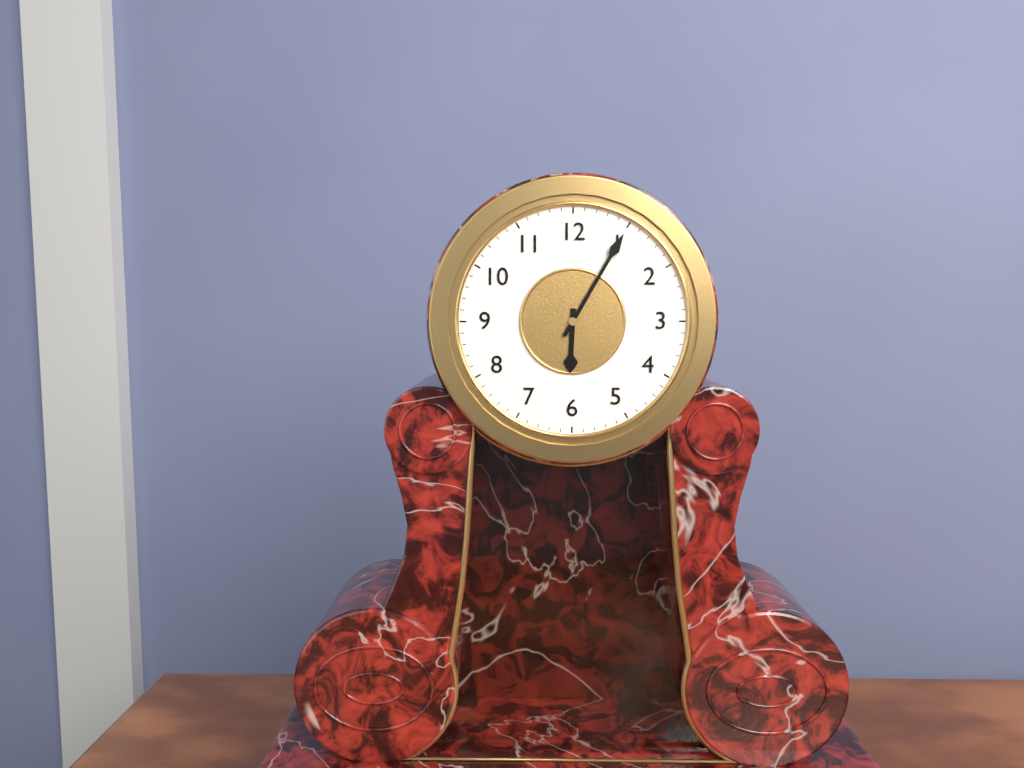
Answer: {"hour": 6, "minute": 5}
